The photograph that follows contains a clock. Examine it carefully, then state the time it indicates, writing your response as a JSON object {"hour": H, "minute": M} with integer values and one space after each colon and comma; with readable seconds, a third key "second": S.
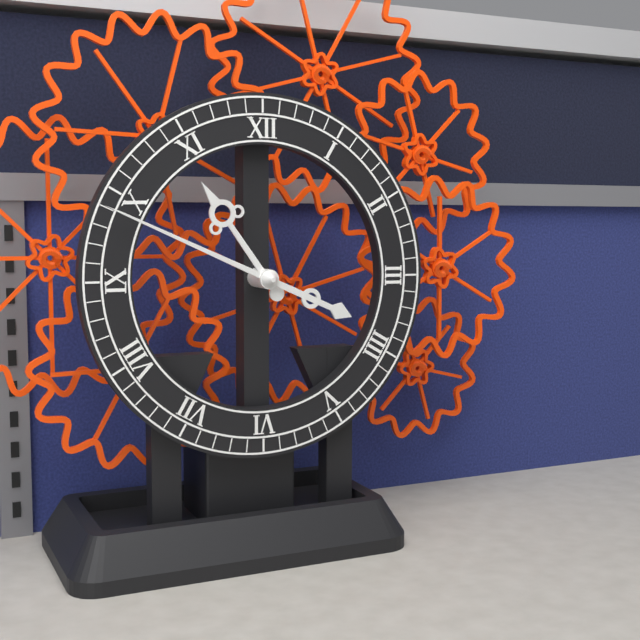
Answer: {"hour": 10, "minute": 49}
